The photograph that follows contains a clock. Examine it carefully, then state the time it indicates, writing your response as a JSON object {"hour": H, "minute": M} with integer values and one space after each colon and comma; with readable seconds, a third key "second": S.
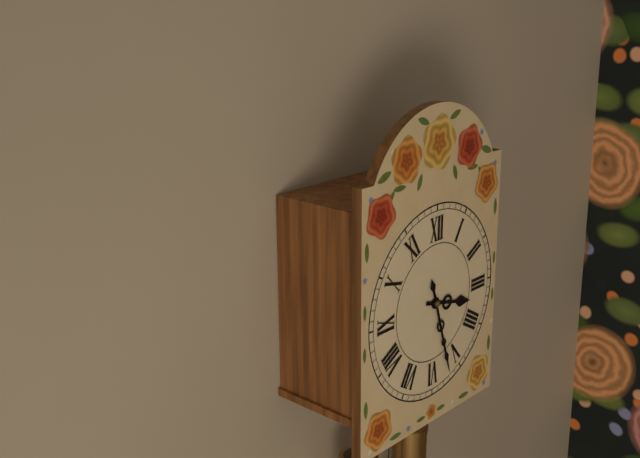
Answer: {"hour": 3, "minute": 27}
